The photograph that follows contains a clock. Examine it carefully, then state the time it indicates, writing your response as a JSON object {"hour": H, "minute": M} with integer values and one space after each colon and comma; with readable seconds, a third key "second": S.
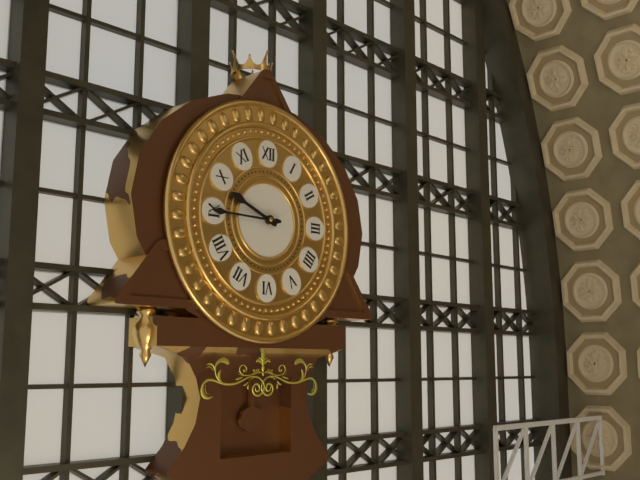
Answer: {"hour": 9, "minute": 45}
